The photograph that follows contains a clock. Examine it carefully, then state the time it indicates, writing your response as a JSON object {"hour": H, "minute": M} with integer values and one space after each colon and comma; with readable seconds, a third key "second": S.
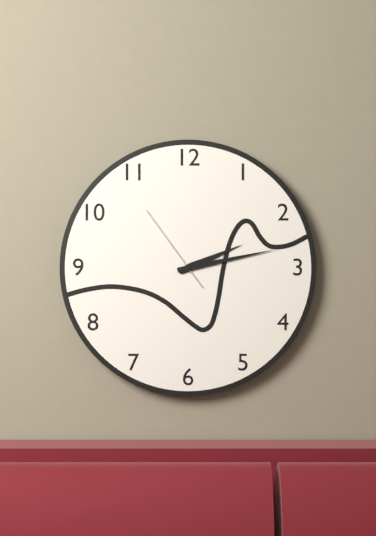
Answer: {"hour": 2, "minute": 13, "second": 54}
